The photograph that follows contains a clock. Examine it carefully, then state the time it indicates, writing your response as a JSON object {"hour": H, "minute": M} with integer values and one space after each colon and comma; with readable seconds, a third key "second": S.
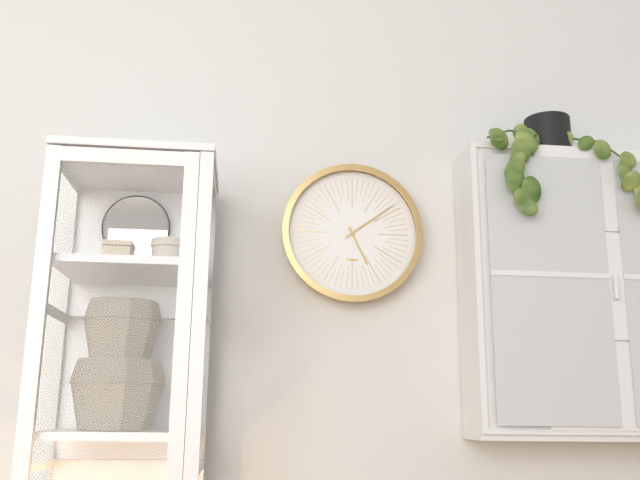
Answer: {"hour": 5, "minute": 9}
